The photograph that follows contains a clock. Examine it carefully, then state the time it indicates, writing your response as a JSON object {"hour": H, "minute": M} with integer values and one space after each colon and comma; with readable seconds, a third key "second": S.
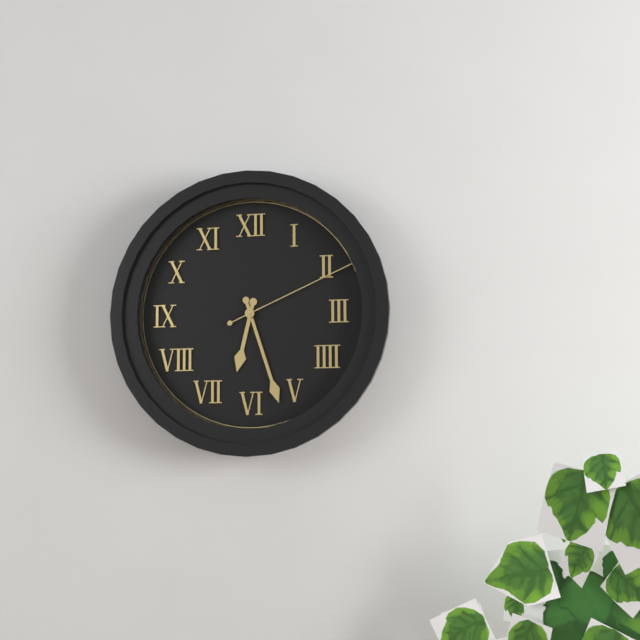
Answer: {"hour": 6, "minute": 27, "second": 11}
